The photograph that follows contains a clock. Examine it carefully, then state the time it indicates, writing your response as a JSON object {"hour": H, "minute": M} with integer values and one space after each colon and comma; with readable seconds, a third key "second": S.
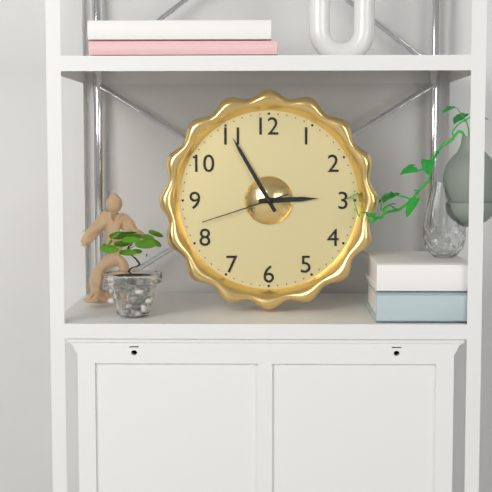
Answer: {"hour": 2, "minute": 55, "second": 42}
